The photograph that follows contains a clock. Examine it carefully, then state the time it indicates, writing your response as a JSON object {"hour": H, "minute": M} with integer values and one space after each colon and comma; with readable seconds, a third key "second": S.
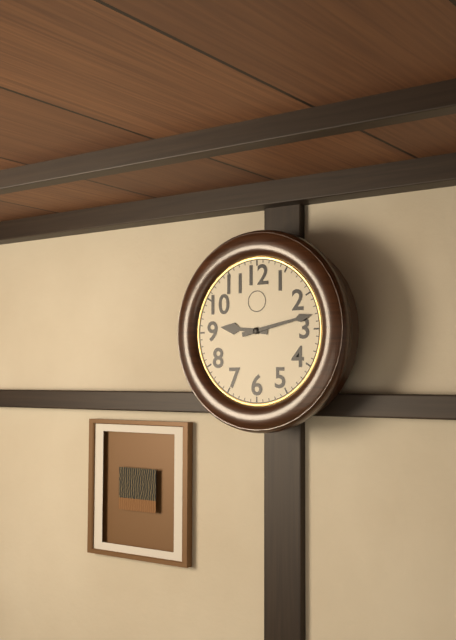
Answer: {"hour": 9, "minute": 13}
